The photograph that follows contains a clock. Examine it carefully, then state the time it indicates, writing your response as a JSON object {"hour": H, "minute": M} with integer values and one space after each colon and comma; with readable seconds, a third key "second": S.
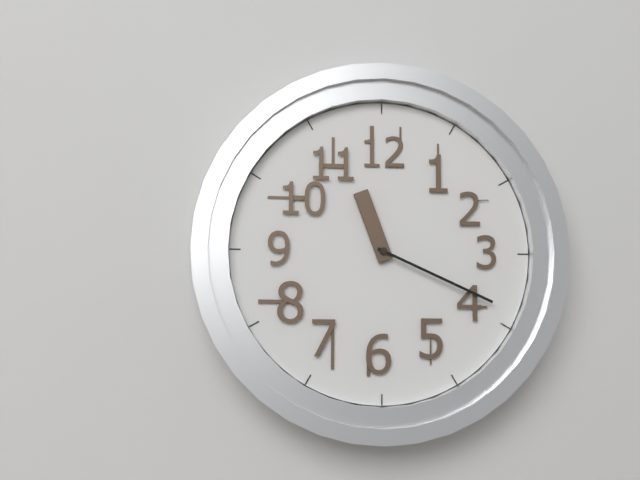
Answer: {"hour": 11, "minute": 19}
